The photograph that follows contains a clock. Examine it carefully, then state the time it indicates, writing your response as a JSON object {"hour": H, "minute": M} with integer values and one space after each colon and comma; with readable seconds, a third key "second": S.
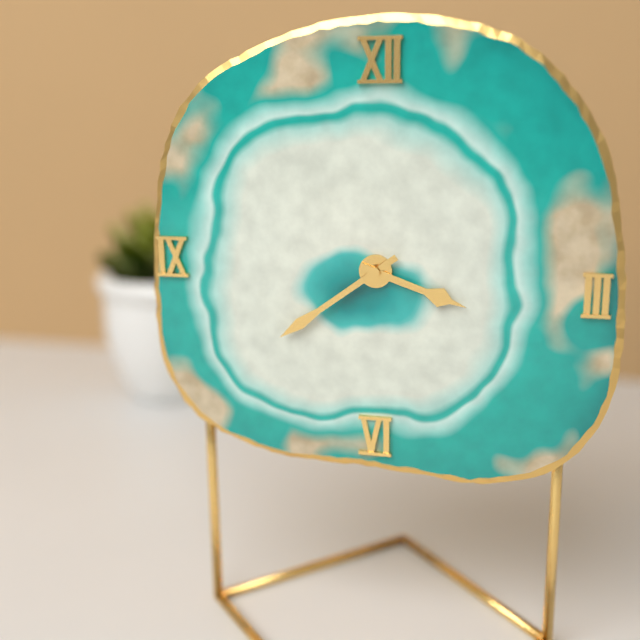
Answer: {"hour": 3, "minute": 39}
